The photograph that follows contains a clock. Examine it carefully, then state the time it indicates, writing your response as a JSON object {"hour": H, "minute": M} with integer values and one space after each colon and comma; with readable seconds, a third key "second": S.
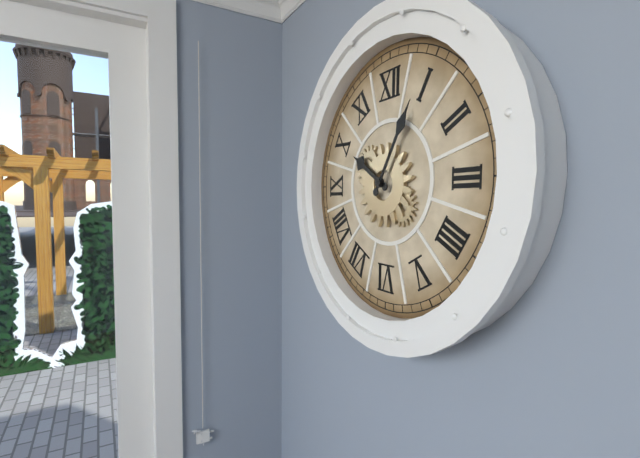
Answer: {"hour": 10, "minute": 5}
